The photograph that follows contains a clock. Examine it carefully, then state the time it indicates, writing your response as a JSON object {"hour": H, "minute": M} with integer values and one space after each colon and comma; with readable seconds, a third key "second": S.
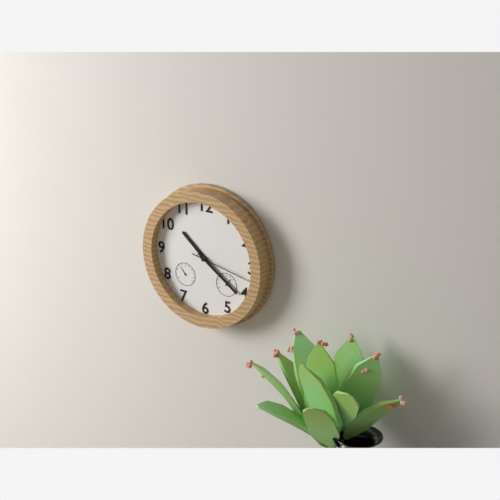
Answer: {"hour": 10, "minute": 21, "second": 17}
